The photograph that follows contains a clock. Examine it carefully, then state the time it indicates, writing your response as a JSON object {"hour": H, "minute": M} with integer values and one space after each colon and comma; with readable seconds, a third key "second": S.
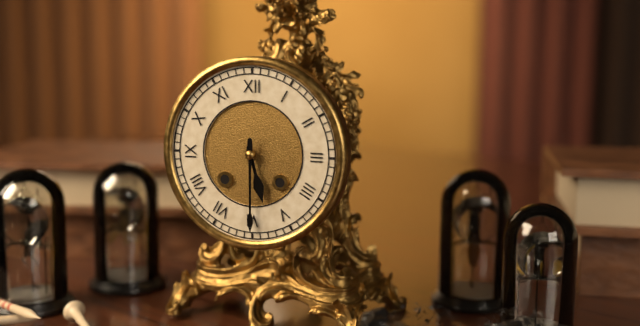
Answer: {"hour": 5, "minute": 30}
